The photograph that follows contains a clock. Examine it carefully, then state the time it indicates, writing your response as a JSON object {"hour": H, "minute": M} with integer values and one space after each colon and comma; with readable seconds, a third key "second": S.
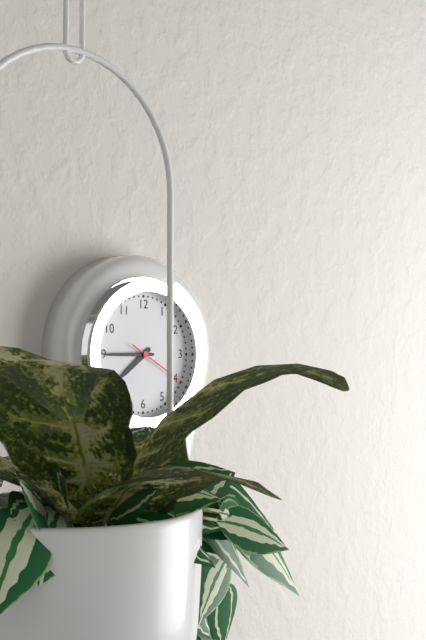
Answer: {"hour": 7, "minute": 45, "second": 20}
